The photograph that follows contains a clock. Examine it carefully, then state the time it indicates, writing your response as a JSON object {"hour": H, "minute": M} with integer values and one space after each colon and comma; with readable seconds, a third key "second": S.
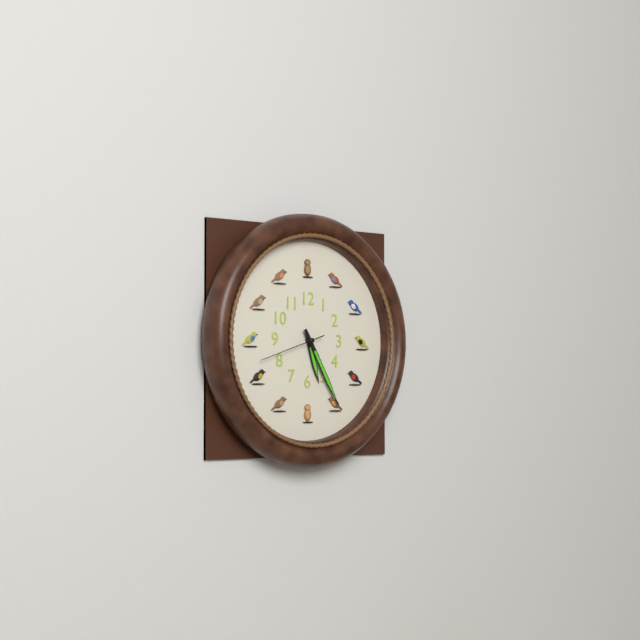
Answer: {"hour": 5, "minute": 25, "second": 42}
